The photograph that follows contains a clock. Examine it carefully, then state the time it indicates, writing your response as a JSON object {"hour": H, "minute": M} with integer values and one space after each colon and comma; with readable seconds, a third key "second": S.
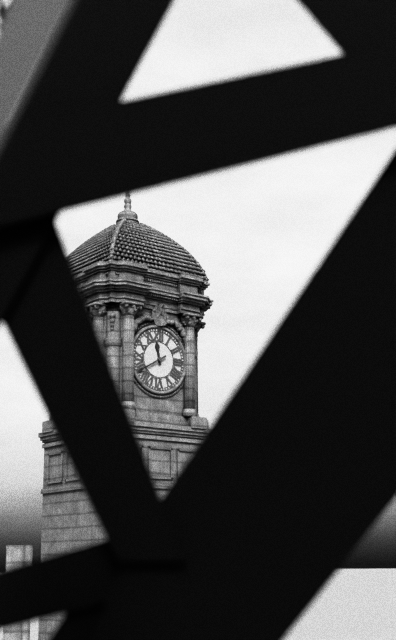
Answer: {"hour": 11, "minute": 40}
